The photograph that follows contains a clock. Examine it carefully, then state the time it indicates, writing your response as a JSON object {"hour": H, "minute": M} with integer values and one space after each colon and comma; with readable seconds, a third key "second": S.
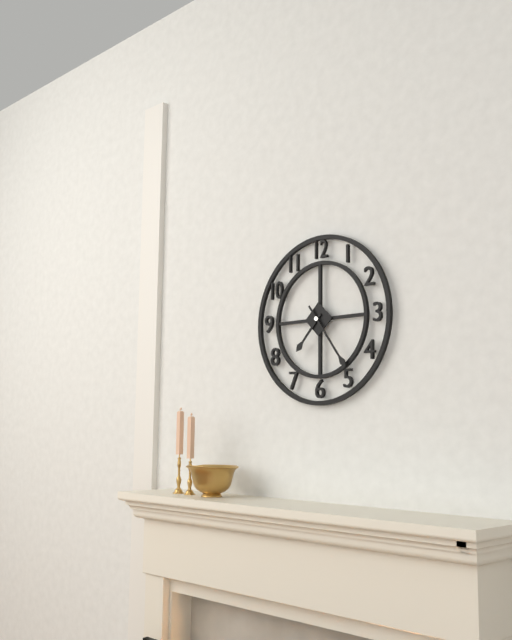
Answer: {"hour": 7, "minute": 24}
